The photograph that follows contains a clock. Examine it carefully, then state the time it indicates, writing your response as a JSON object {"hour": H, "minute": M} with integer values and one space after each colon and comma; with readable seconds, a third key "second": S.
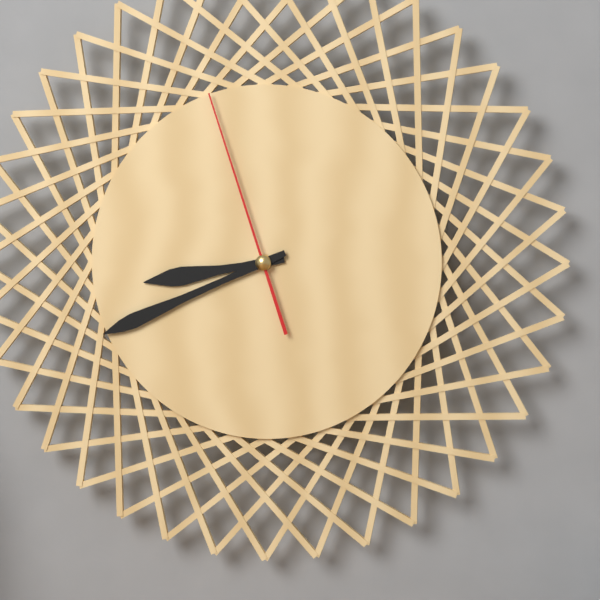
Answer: {"hour": 8, "minute": 41, "second": 57}
